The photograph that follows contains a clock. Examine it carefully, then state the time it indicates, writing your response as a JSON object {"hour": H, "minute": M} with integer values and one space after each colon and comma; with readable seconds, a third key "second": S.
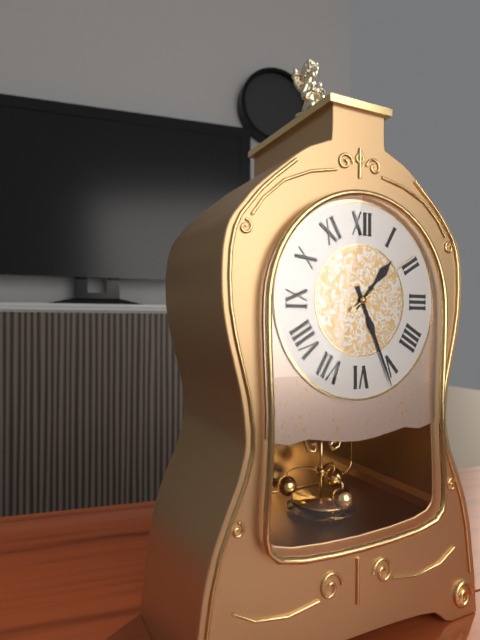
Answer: {"hour": 1, "minute": 26, "second": 9}
